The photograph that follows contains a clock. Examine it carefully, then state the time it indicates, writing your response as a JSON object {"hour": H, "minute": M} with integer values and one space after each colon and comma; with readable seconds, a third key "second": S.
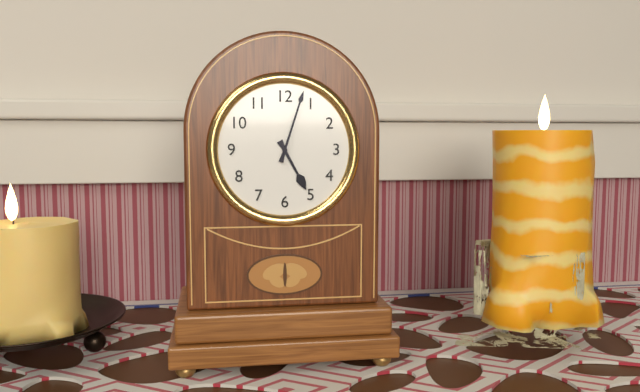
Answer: {"hour": 5, "minute": 3}
